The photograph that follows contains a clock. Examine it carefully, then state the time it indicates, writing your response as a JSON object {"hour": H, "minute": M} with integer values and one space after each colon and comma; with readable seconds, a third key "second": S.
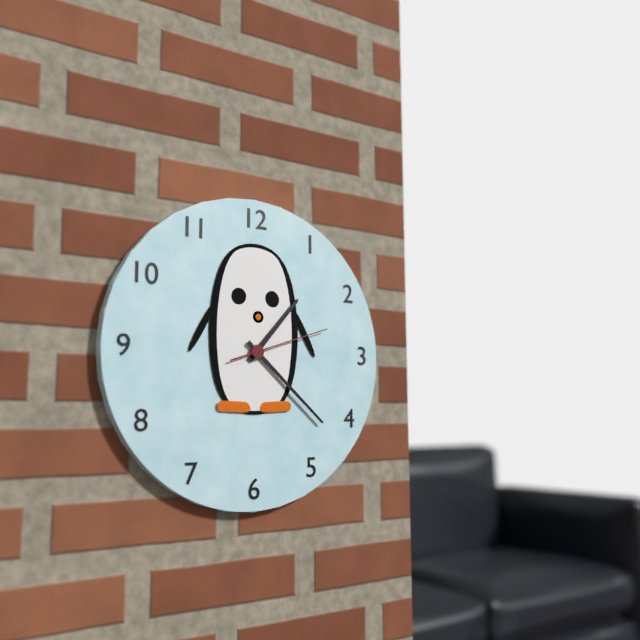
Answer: {"hour": 1, "minute": 22, "second": 12}
